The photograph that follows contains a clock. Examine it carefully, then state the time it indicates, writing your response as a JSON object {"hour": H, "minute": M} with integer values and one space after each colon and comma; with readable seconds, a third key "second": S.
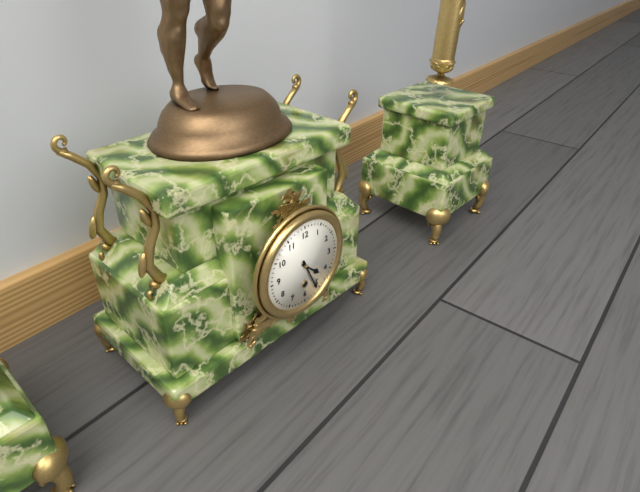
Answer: {"hour": 4, "minute": 26}
